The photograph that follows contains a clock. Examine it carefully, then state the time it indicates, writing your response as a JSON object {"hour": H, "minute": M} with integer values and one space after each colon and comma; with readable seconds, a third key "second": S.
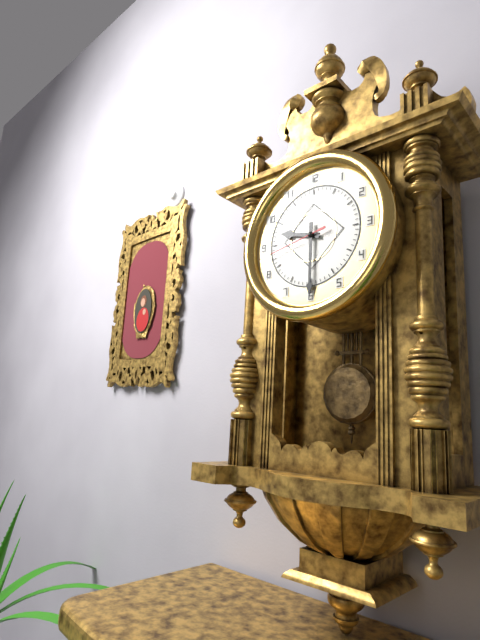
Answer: {"hour": 9, "minute": 30, "second": 43}
